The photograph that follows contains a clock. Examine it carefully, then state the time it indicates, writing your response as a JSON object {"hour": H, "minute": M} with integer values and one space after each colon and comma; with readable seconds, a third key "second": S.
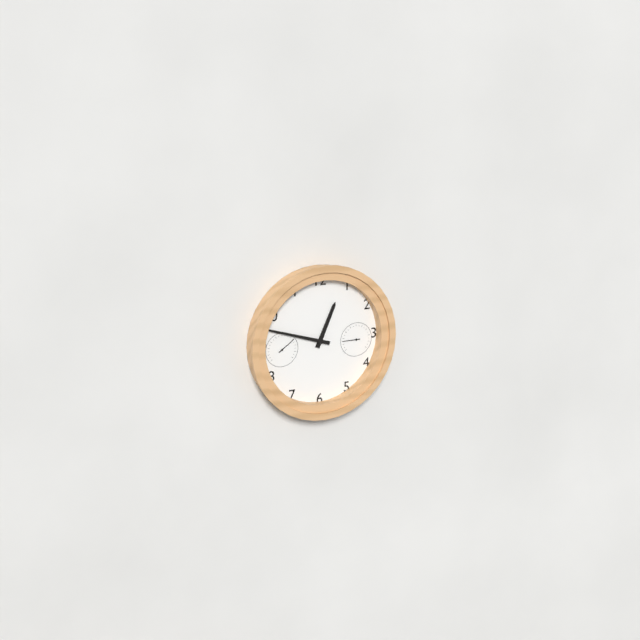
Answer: {"hour": 12, "minute": 48}
